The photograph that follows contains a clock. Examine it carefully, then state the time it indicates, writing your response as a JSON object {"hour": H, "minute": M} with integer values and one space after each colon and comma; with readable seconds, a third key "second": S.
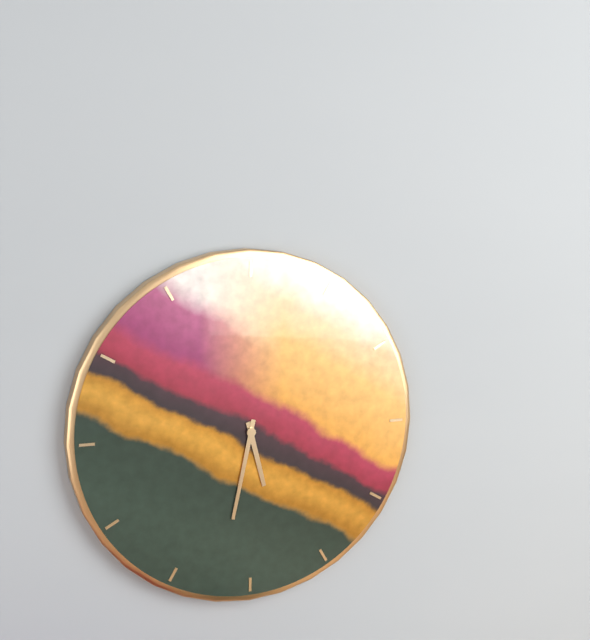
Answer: {"hour": 5, "minute": 32}
